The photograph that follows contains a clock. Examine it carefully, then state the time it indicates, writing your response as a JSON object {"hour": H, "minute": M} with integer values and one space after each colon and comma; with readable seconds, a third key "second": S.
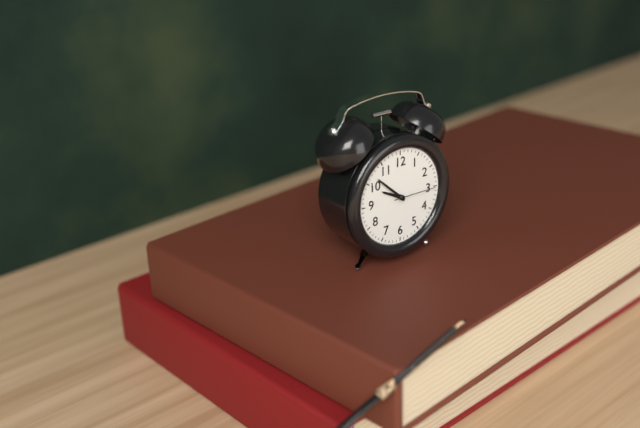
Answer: {"hour": 9, "minute": 52}
